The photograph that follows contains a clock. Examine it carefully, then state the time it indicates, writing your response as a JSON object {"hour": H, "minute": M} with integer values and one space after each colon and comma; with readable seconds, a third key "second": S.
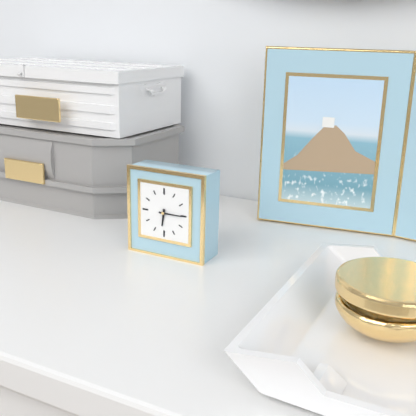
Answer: {"hour": 6, "minute": 15}
